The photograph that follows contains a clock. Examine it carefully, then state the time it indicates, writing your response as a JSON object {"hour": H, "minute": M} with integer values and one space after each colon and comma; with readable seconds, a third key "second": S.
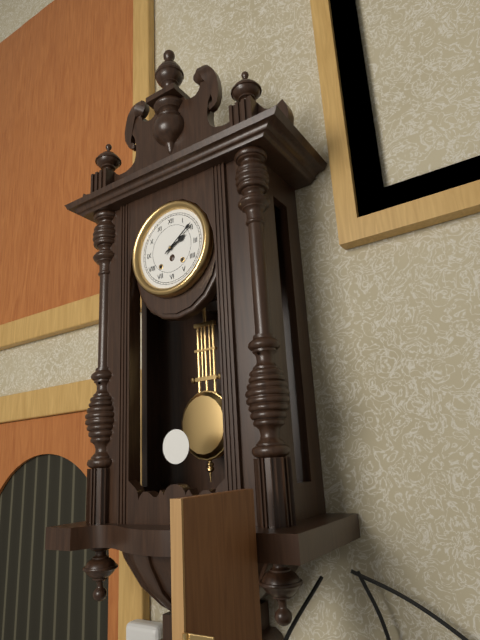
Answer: {"hour": 2, "minute": 9}
